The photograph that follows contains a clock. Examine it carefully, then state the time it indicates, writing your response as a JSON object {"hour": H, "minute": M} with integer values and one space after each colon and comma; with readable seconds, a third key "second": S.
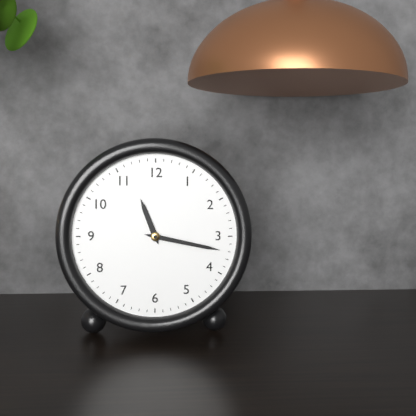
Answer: {"hour": 11, "minute": 17}
